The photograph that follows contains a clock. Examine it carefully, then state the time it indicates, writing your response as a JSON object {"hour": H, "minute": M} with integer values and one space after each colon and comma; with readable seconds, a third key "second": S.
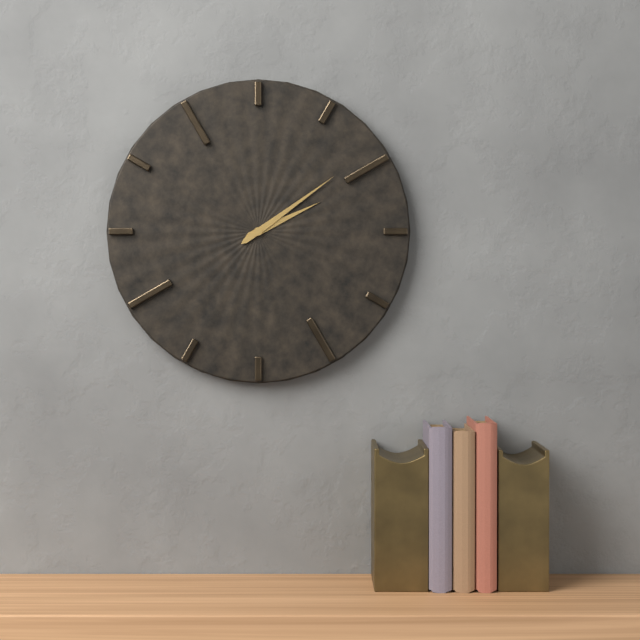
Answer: {"hour": 2, "minute": 9}
